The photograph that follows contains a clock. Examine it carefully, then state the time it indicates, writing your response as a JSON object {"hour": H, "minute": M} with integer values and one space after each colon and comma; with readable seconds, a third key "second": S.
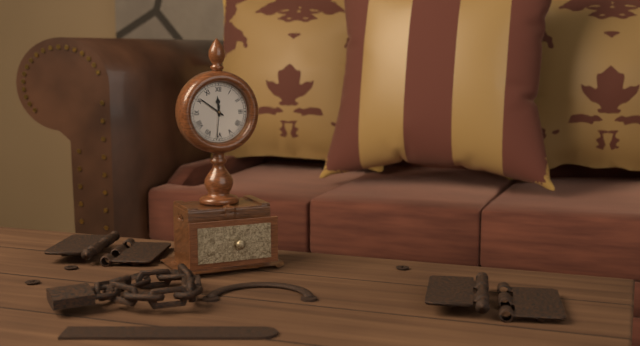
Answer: {"hour": 11, "minute": 51}
